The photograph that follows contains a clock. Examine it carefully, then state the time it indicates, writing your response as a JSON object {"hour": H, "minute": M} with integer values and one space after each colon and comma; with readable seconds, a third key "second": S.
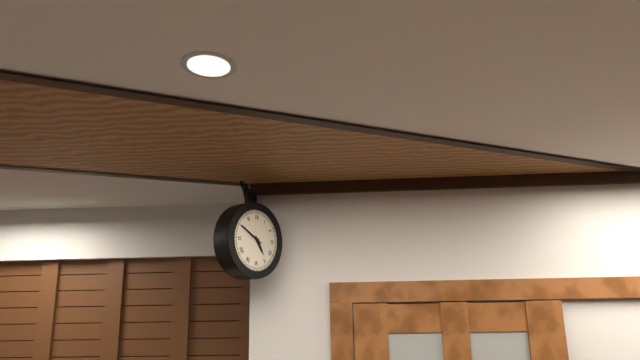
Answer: {"hour": 4, "minute": 50}
